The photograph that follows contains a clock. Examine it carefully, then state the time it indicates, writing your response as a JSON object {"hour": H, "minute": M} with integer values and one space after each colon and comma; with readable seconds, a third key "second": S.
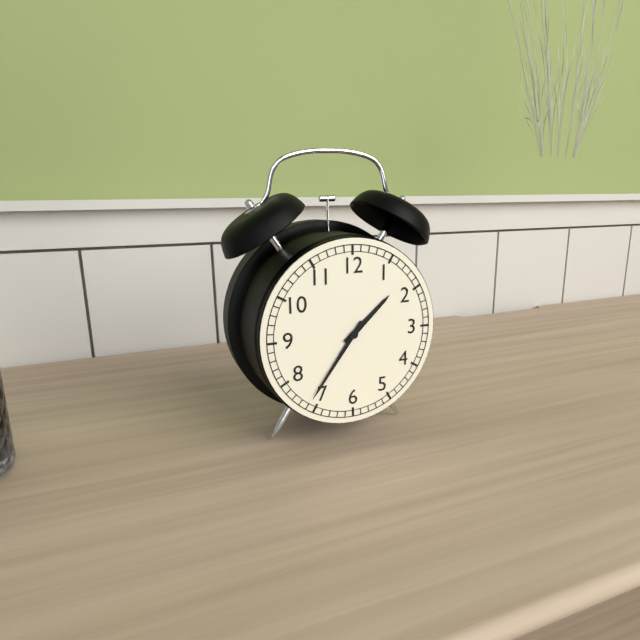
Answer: {"hour": 1, "minute": 36}
